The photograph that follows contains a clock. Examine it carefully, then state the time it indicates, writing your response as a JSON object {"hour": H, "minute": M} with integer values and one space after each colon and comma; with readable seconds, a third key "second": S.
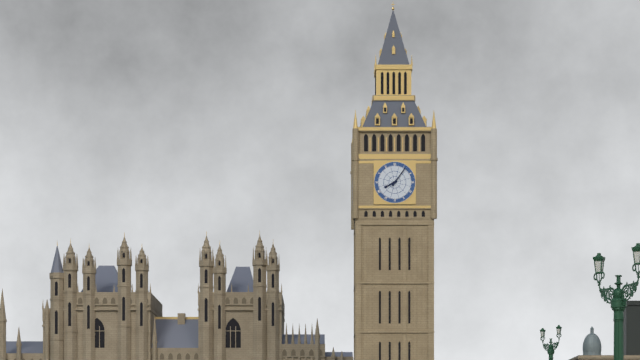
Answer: {"hour": 8, "minute": 6}
